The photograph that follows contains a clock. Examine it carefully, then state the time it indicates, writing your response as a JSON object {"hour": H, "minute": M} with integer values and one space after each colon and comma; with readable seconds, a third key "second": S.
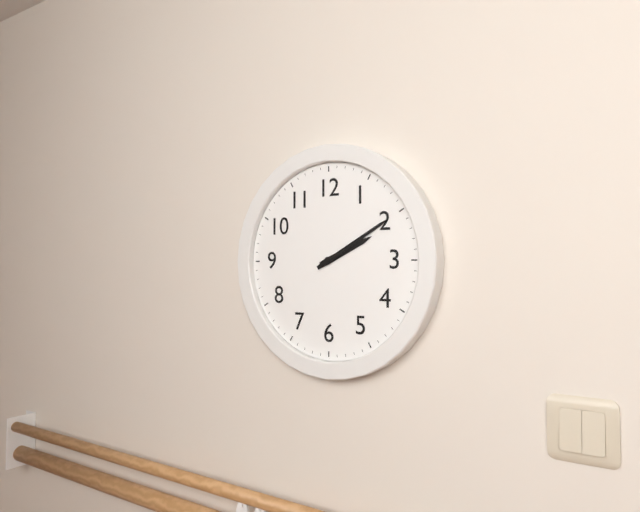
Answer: {"hour": 2, "minute": 10}
